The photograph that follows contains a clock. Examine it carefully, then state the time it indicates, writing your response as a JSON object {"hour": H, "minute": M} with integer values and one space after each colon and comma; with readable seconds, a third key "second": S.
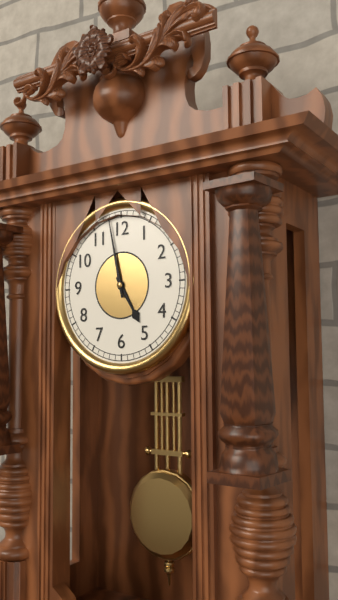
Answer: {"hour": 4, "minute": 58}
